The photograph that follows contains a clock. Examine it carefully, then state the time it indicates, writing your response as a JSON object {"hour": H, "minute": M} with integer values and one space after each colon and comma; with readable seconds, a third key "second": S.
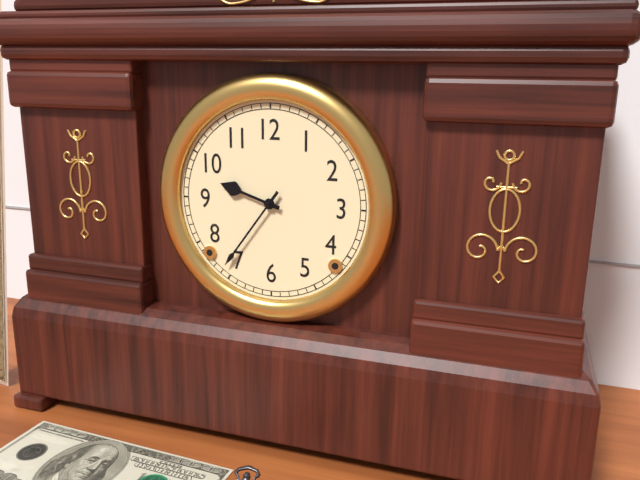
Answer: {"hour": 9, "minute": 36}
